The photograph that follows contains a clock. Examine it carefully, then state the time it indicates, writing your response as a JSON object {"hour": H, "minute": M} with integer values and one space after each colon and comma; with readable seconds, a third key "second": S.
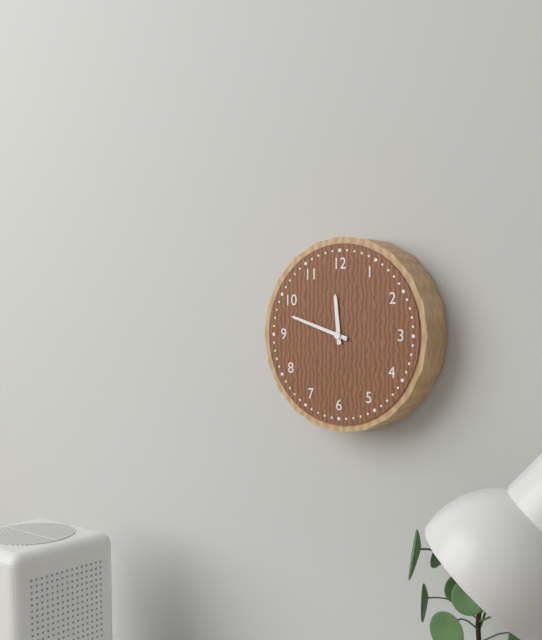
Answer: {"hour": 11, "minute": 48}
